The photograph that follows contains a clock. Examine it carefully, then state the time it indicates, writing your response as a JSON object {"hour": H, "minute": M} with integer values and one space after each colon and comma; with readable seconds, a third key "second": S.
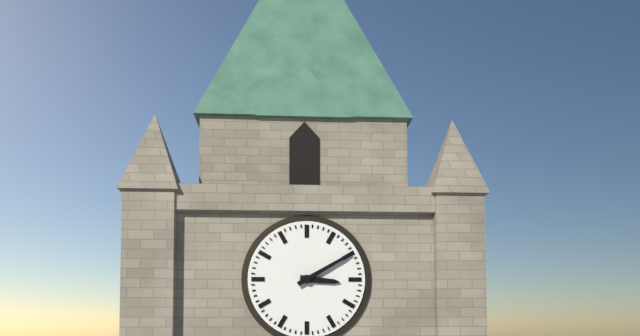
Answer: {"hour": 3, "minute": 10}
